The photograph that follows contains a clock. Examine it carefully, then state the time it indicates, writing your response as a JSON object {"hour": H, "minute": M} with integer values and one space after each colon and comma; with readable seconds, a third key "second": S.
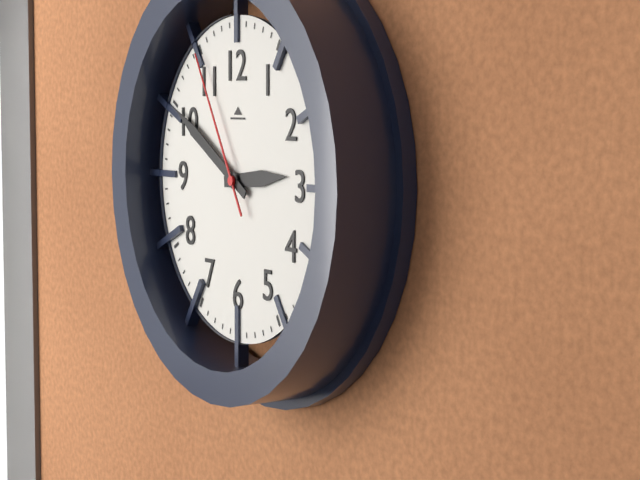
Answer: {"hour": 2, "minute": 50, "second": 55}
